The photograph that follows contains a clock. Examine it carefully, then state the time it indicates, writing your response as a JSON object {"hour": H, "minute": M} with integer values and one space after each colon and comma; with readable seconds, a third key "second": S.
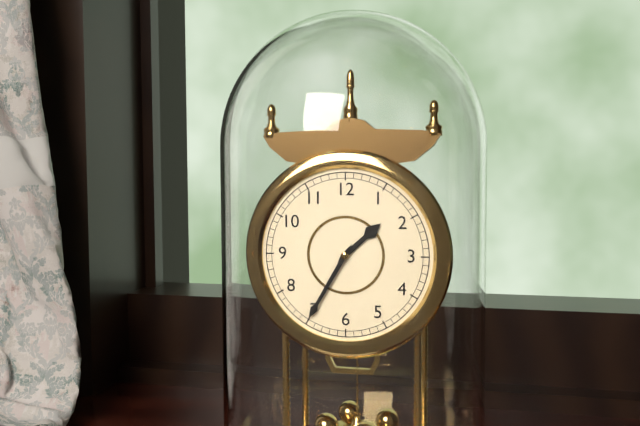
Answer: {"hour": 1, "minute": 35}
